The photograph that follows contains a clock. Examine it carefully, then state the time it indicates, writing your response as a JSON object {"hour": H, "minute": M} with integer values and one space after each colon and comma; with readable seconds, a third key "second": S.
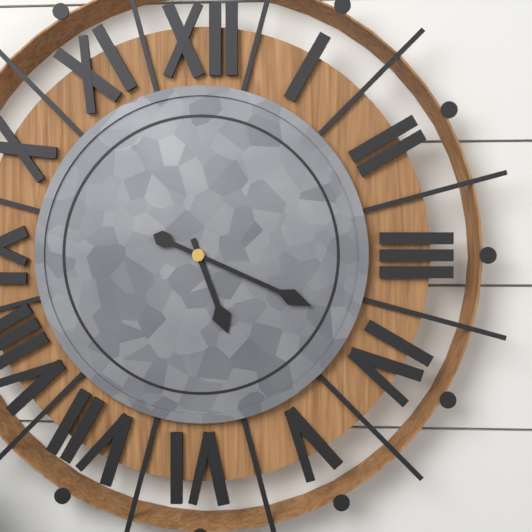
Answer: {"hour": 5, "minute": 19}
